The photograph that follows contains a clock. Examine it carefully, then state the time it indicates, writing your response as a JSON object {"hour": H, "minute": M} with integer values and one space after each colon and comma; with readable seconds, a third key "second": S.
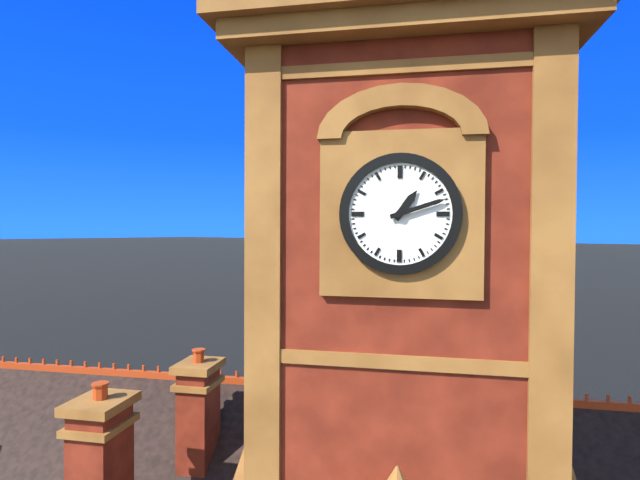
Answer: {"hour": 1, "minute": 12}
